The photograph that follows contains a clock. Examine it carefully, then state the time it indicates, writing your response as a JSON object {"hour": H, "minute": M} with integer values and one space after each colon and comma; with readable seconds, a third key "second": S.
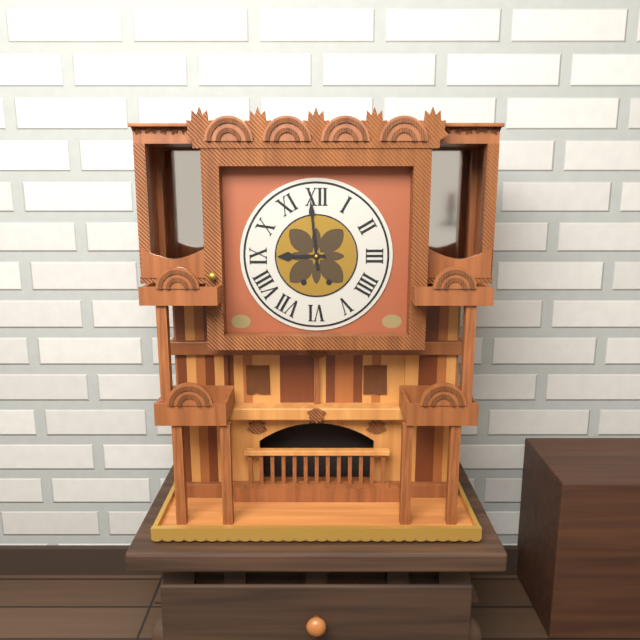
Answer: {"hour": 8, "minute": 59}
